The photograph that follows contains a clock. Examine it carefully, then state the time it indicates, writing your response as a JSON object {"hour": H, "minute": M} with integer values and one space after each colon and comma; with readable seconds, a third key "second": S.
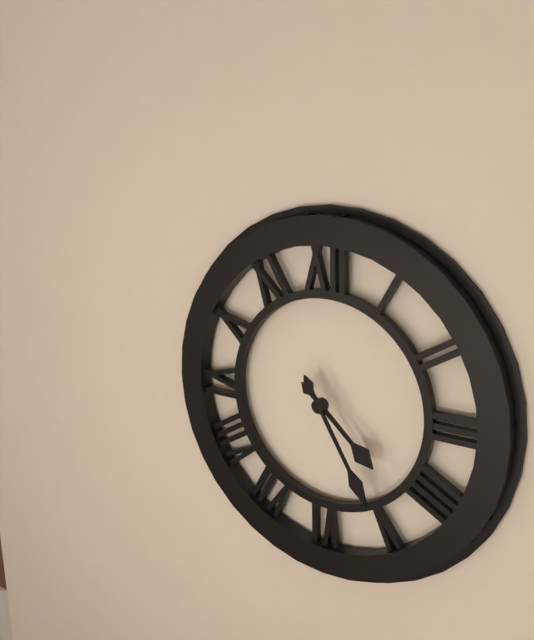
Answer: {"hour": 4, "minute": 25}
